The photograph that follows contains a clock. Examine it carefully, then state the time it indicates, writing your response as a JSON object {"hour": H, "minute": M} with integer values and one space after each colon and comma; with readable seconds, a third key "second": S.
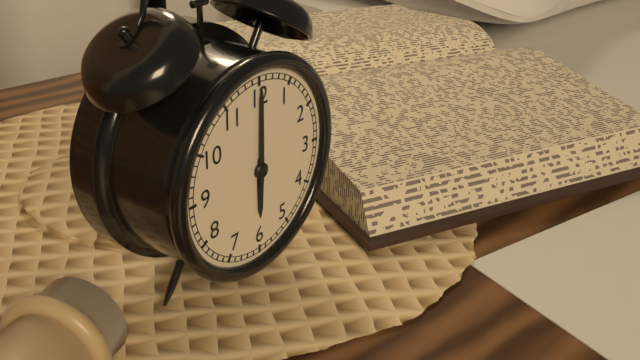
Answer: {"hour": 6, "minute": 0}
